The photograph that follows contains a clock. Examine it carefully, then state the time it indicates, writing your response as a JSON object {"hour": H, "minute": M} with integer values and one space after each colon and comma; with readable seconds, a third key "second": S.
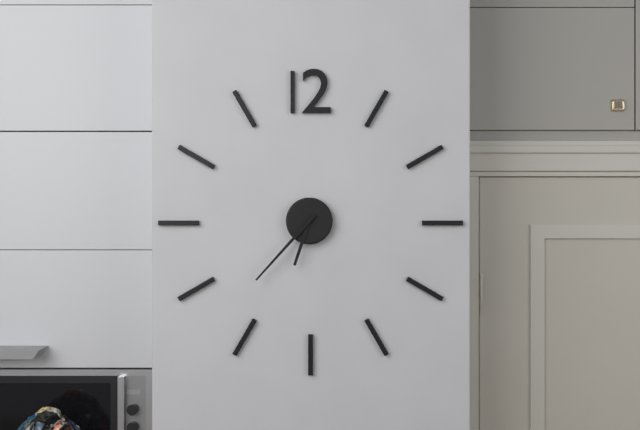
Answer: {"hour": 6, "minute": 37}
